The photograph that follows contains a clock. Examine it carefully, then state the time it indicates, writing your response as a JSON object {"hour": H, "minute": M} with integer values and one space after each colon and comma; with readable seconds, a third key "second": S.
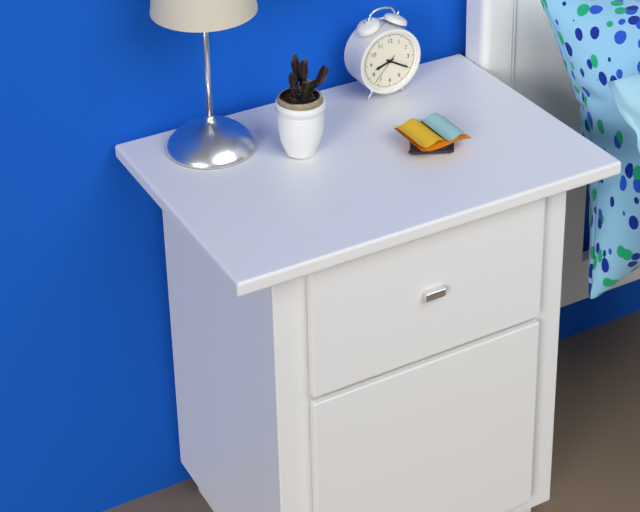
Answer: {"hour": 8, "minute": 20}
